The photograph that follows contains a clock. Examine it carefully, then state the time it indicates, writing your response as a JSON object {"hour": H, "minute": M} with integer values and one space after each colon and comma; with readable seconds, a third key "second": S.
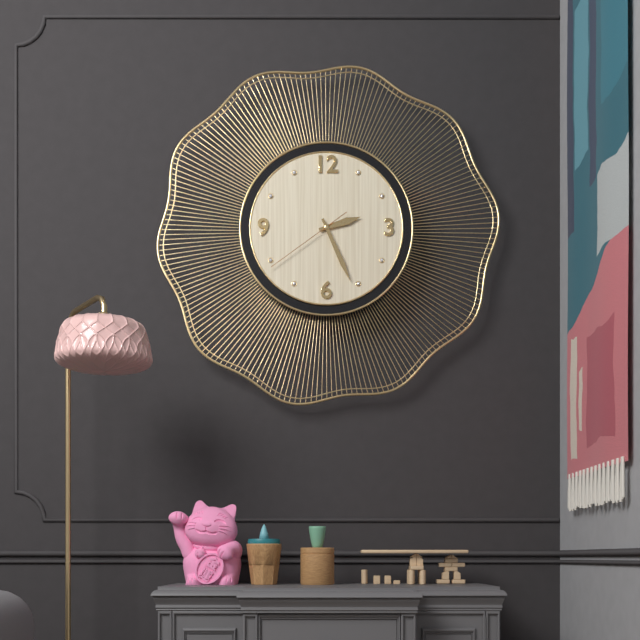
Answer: {"hour": 2, "minute": 26, "second": 39}
